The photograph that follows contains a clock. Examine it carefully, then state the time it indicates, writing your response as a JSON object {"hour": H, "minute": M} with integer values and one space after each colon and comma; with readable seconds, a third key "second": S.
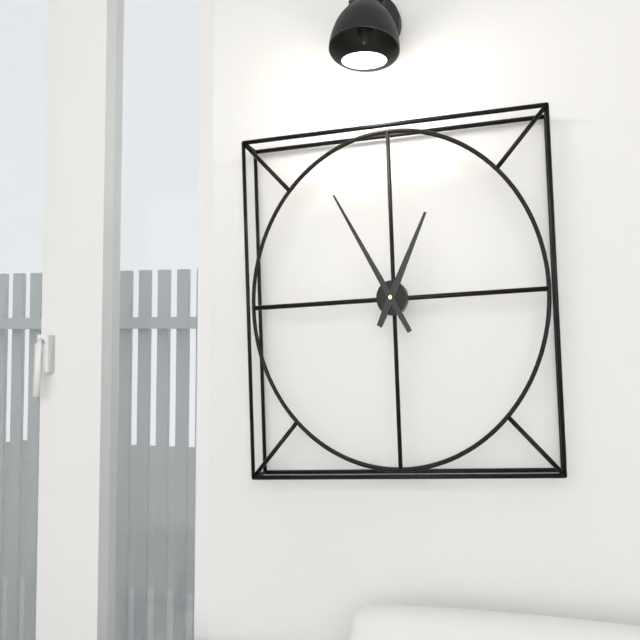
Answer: {"hour": 12, "minute": 55}
